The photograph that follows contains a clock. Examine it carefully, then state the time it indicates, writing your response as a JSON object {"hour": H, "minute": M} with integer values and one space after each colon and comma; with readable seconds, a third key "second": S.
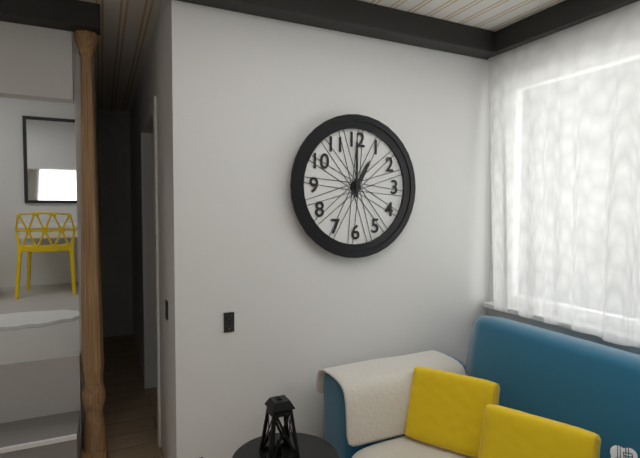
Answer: {"hour": 1, "minute": 0}
